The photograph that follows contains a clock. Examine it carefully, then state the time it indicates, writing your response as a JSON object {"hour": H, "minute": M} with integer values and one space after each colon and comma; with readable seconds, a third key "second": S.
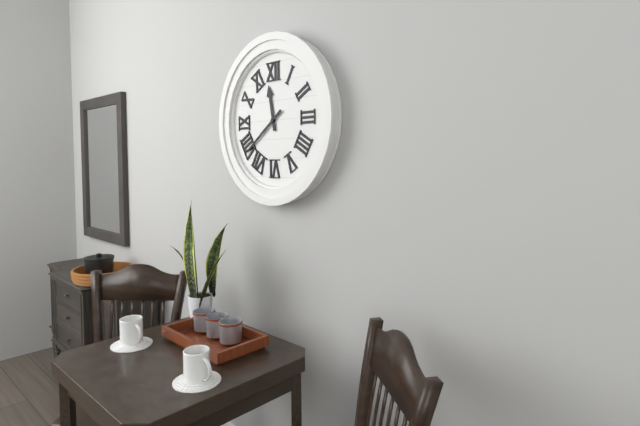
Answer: {"hour": 11, "minute": 39}
